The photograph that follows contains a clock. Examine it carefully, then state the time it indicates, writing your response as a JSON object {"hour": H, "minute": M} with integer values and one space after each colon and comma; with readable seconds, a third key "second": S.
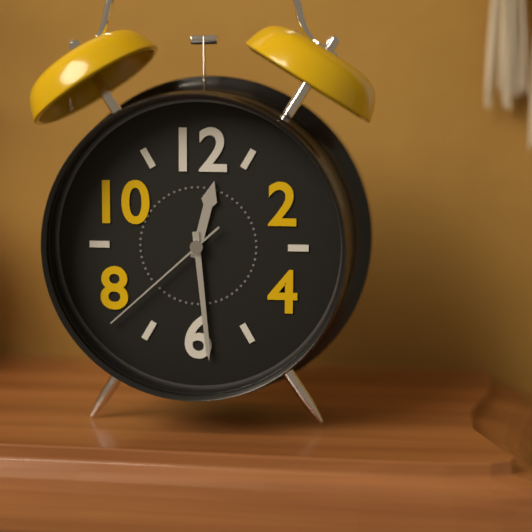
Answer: {"hour": 12, "minute": 29, "second": 38}
